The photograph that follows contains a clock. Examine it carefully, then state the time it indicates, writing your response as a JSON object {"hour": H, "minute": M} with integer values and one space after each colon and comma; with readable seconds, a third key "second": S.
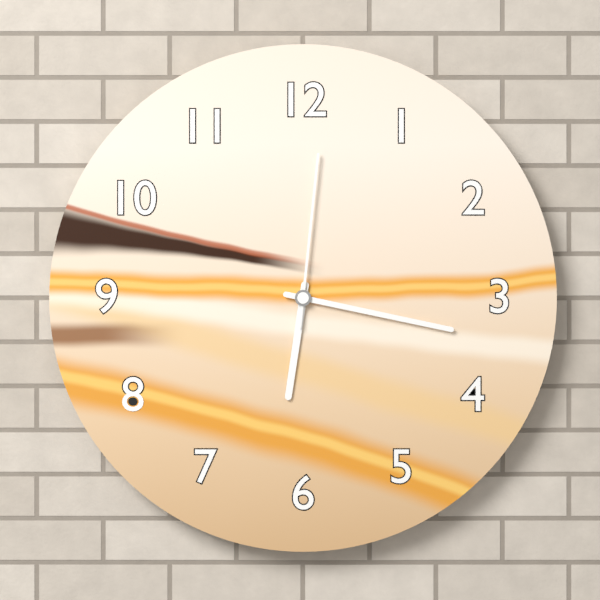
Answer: {"hour": 6, "minute": 17, "second": 1}
